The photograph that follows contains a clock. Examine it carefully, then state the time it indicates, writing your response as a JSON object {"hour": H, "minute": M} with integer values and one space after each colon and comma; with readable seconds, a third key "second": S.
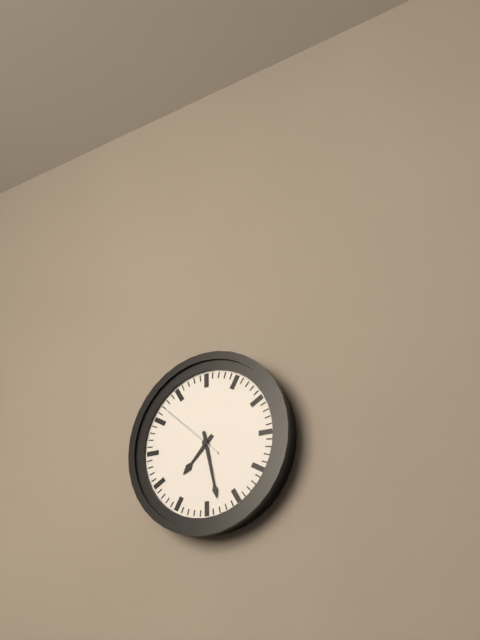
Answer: {"hour": 7, "minute": 28, "second": 52}
